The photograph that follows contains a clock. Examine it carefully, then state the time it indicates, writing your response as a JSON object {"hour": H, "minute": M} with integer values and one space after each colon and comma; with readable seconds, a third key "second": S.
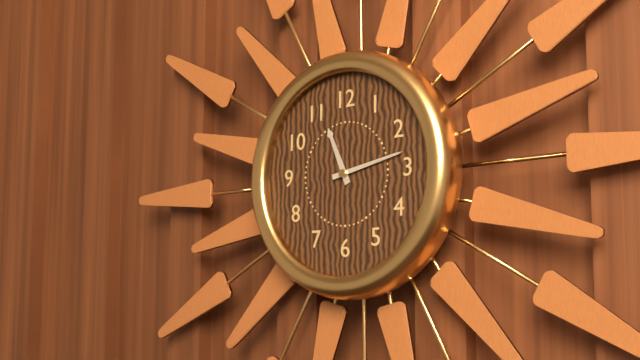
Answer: {"hour": 11, "minute": 13}
